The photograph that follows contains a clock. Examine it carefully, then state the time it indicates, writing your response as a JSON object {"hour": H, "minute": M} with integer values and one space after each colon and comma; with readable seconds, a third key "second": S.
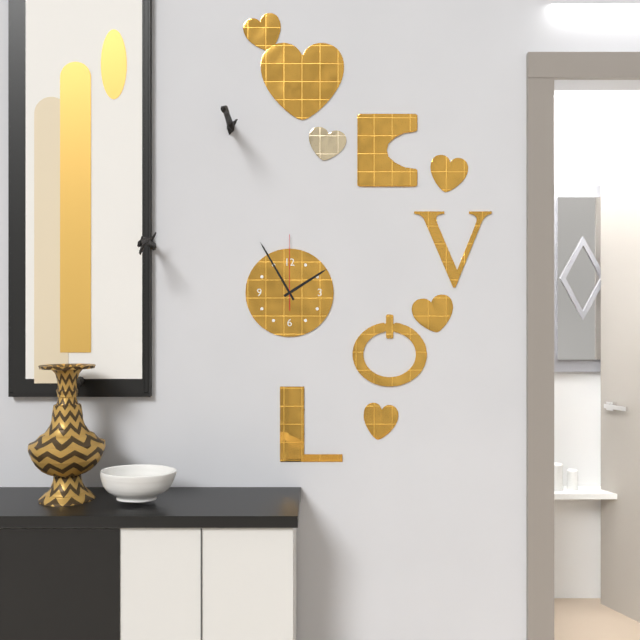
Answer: {"hour": 1, "minute": 55, "second": 0}
